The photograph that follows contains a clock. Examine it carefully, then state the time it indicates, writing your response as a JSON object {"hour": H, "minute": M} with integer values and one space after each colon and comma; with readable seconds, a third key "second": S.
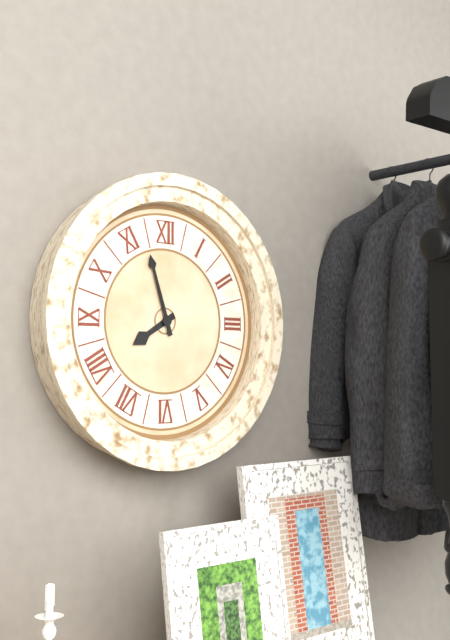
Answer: {"hour": 7, "minute": 57}
